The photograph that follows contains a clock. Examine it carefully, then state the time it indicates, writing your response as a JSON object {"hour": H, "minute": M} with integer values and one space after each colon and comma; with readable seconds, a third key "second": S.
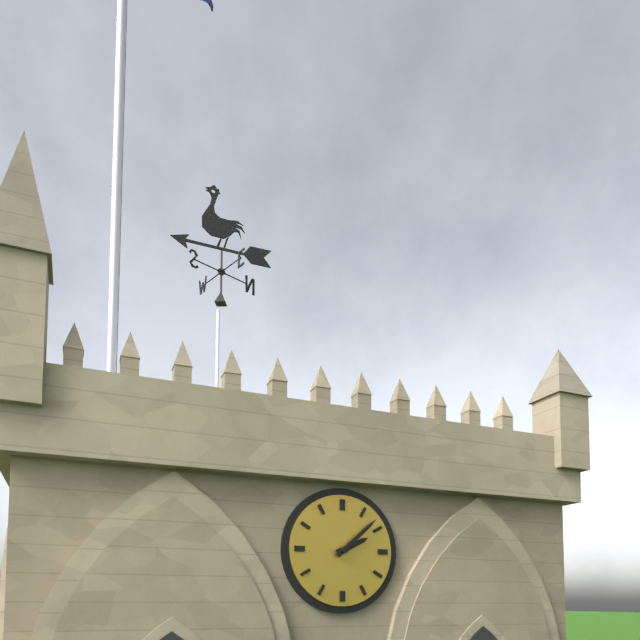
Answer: {"hour": 2, "minute": 8}
